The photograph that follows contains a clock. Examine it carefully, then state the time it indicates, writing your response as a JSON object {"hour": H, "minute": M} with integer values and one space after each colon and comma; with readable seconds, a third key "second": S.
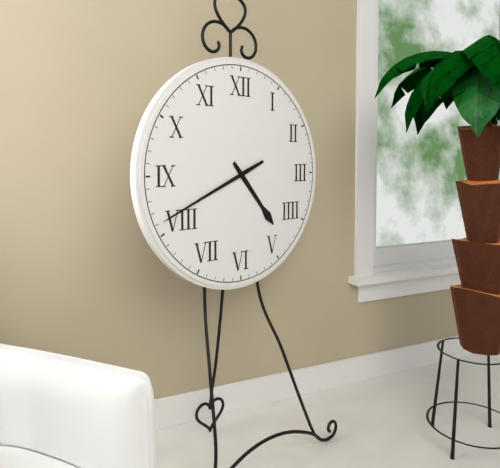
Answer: {"hour": 4, "minute": 41}
